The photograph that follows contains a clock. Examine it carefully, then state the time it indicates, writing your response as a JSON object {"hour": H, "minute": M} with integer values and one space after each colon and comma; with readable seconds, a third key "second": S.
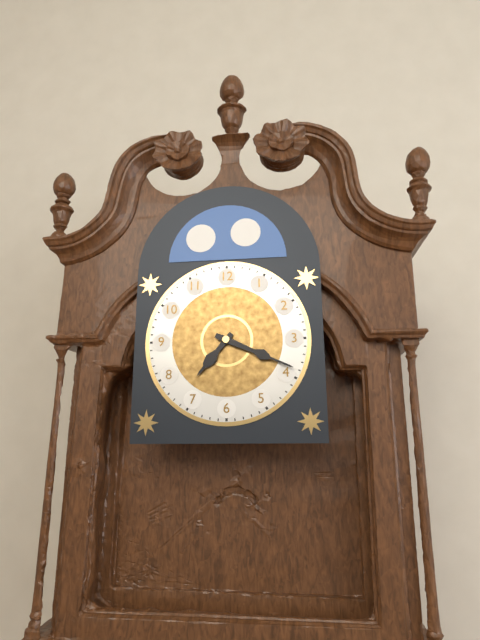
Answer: {"hour": 7, "minute": 19}
